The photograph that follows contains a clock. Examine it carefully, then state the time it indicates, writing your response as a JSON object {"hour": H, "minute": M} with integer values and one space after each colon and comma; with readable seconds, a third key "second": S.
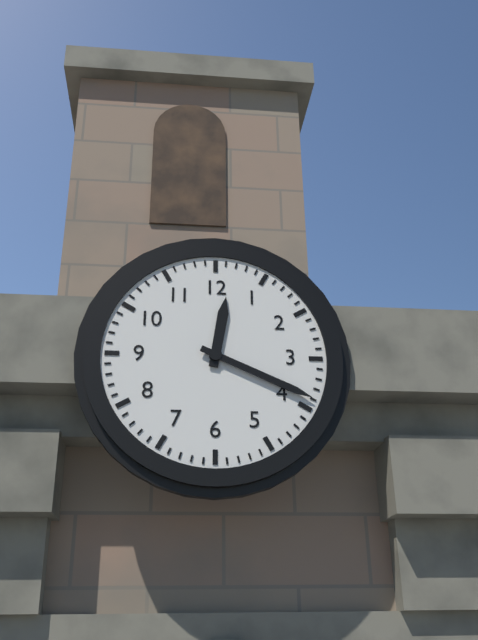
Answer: {"hour": 12, "minute": 19}
